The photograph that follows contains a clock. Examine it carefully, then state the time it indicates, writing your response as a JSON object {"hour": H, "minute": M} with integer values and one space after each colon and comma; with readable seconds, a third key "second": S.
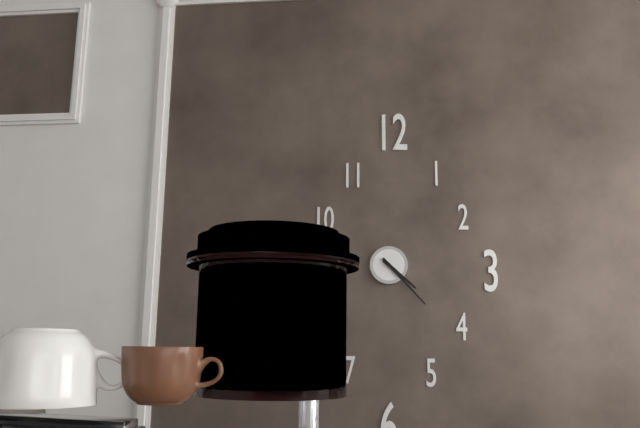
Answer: {"hour": 4, "minute": 23}
